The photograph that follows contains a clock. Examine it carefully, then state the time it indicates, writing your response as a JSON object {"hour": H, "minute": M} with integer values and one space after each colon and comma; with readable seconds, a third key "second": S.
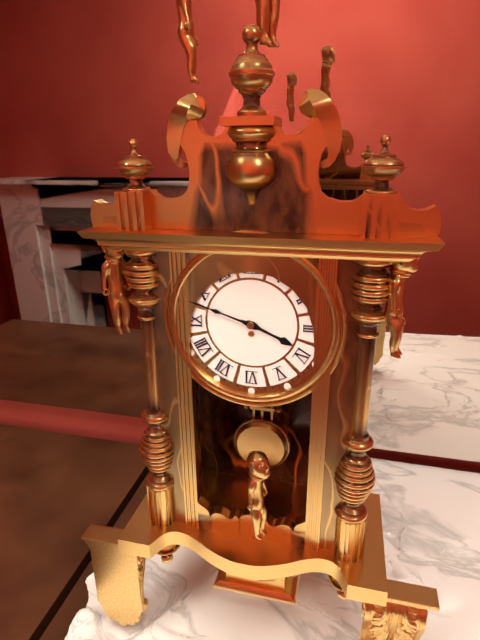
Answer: {"hour": 3, "minute": 48}
